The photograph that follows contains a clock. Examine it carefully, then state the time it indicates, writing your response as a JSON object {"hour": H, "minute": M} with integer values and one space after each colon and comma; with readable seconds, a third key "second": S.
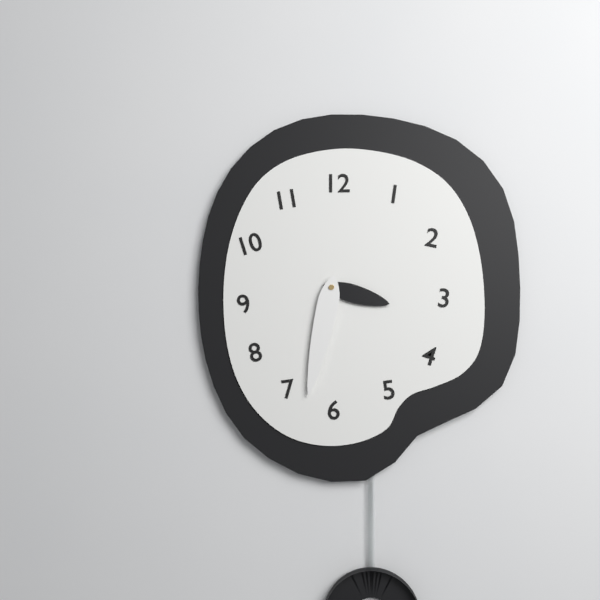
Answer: {"hour": 3, "minute": 32}
